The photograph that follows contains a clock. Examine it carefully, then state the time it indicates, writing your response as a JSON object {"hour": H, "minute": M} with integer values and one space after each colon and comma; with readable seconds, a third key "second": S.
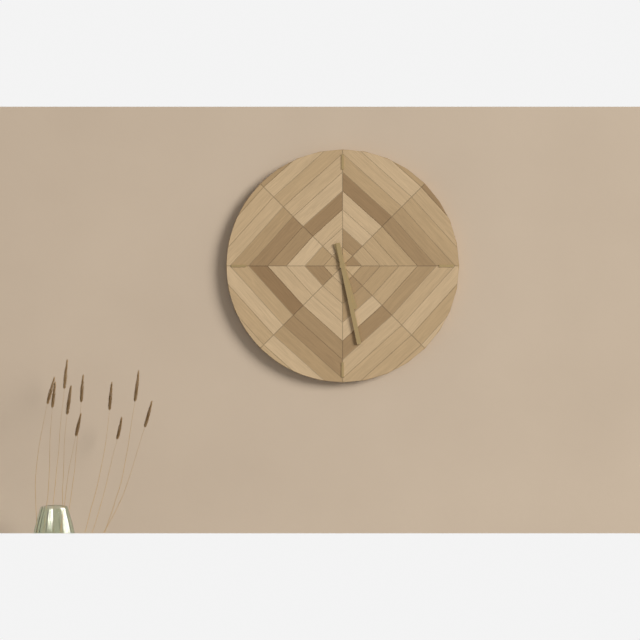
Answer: {"hour": 5, "minute": 28}
